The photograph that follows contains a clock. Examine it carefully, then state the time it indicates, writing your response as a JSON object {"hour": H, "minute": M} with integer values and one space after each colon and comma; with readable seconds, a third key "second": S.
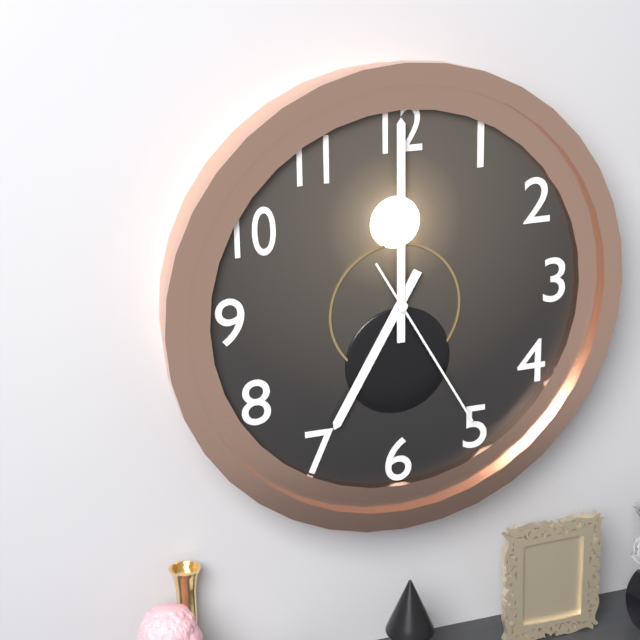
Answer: {"hour": 7, "minute": 0, "second": 25}
